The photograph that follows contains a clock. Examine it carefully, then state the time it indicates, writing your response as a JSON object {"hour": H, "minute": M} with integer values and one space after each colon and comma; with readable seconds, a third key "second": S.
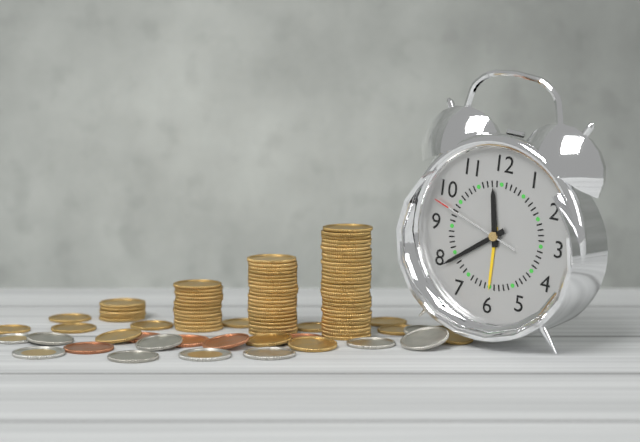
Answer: {"hour": 11, "minute": 39, "second": 48}
